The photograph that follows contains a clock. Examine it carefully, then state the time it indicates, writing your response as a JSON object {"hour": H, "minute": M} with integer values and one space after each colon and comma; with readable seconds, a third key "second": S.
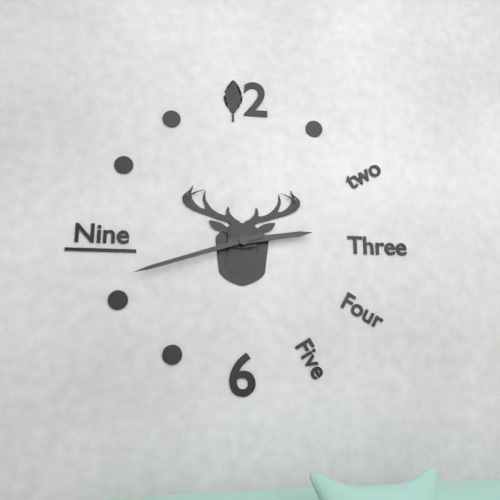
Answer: {"hour": 2, "minute": 42}
